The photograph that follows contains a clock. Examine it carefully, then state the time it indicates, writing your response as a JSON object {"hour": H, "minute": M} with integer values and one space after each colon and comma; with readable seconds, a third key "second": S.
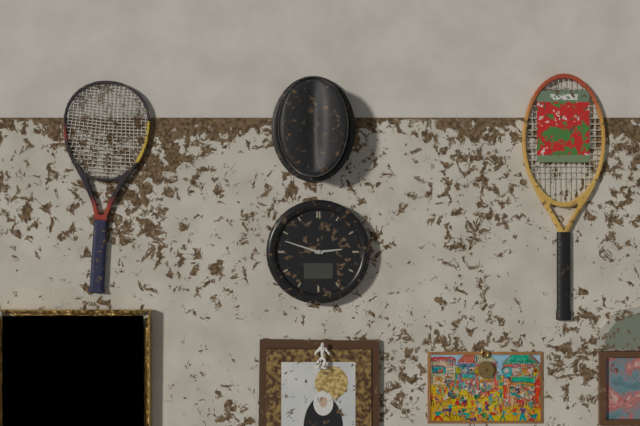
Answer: {"hour": 2, "minute": 48}
